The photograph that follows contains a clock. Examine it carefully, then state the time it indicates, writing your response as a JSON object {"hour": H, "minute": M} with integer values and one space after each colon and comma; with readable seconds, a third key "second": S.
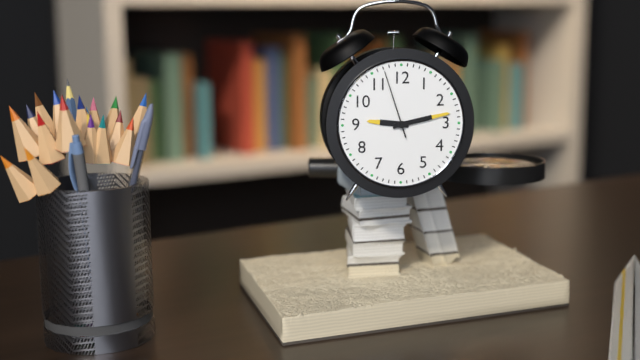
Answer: {"hour": 9, "minute": 13, "second": 57}
